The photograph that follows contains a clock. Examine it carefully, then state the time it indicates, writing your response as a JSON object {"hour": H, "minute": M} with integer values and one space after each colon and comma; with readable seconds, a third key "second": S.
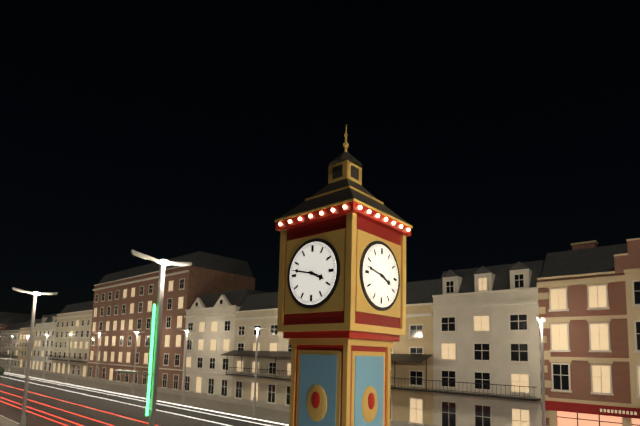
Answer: {"hour": 3, "minute": 47}
